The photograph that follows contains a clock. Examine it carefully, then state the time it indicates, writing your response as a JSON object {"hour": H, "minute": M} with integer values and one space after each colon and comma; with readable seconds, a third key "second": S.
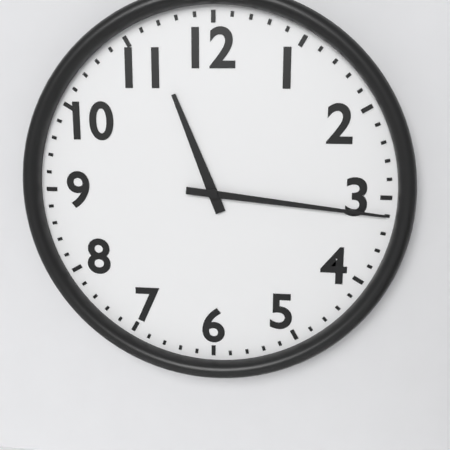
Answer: {"hour": 11, "minute": 16}
